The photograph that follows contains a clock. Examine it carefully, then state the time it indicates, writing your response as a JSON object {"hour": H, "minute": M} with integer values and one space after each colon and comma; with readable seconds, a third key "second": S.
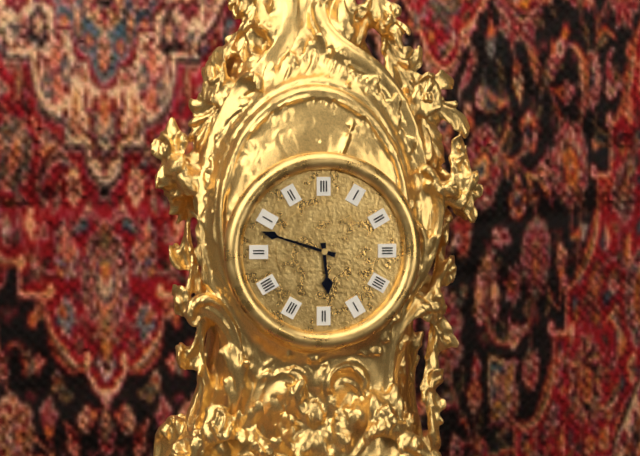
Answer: {"hour": 5, "minute": 48}
